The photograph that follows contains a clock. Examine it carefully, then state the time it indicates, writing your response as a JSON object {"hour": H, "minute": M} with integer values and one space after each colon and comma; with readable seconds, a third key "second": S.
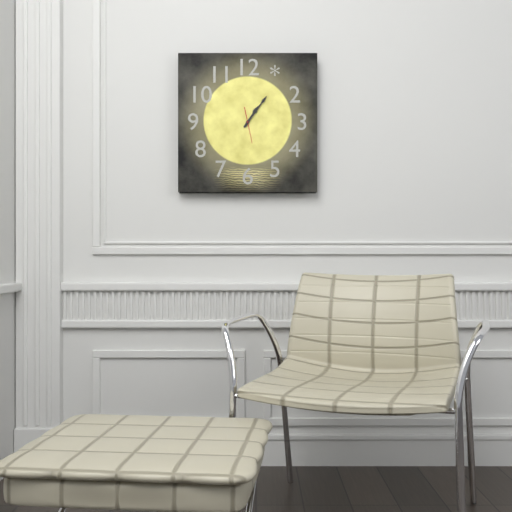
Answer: {"hour": 1, "minute": 6}
